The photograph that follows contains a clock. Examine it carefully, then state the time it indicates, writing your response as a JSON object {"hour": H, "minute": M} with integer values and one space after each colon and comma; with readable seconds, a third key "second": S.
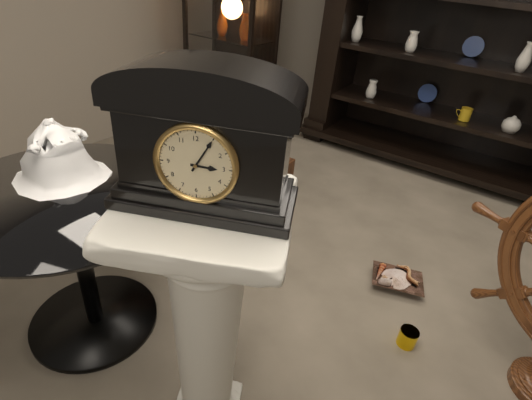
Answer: {"hour": 3, "minute": 5}
